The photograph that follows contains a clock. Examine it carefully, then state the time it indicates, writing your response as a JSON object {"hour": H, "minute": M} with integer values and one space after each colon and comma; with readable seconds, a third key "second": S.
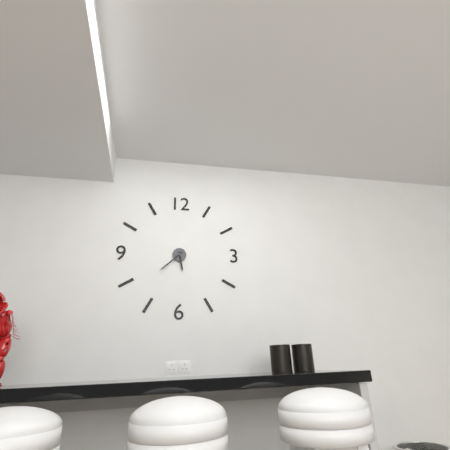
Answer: {"hour": 5, "minute": 38}
